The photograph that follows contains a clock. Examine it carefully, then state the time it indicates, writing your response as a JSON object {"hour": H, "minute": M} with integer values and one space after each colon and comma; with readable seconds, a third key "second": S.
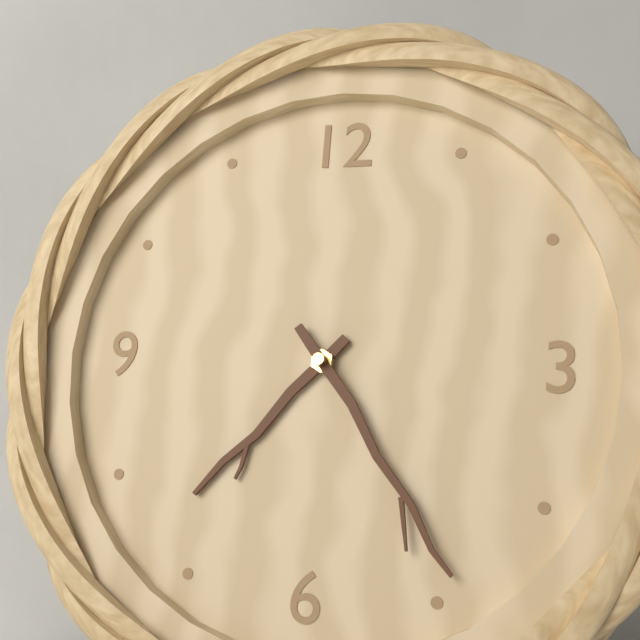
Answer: {"hour": 7, "minute": 24}
